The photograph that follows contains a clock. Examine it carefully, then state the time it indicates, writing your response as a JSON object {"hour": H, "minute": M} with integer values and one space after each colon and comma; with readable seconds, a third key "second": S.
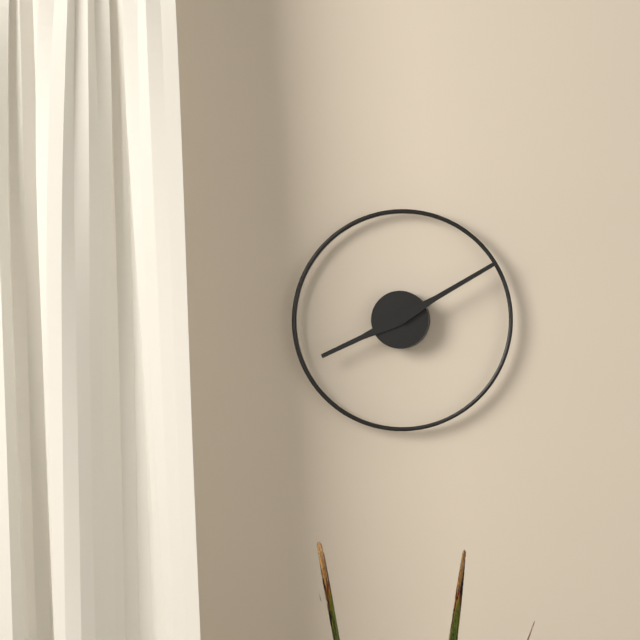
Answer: {"hour": 8, "minute": 10}
